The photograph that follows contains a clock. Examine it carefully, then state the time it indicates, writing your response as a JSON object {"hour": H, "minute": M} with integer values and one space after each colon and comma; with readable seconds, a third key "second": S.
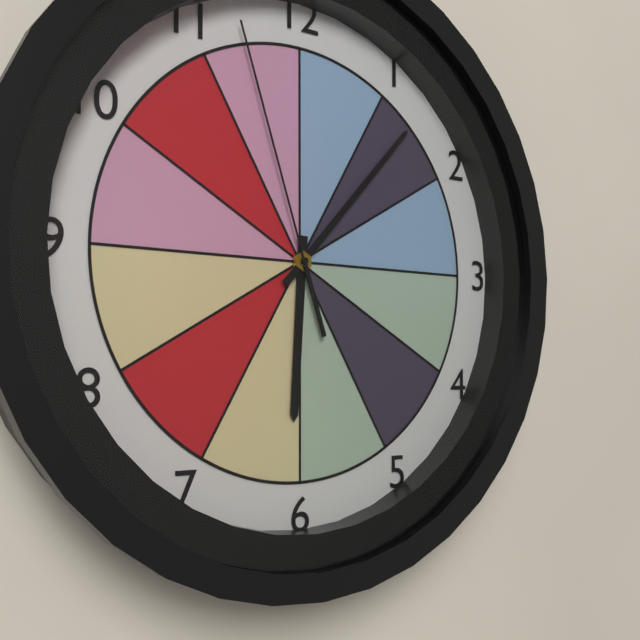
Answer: {"hour": 6, "minute": 7, "second": 57}
